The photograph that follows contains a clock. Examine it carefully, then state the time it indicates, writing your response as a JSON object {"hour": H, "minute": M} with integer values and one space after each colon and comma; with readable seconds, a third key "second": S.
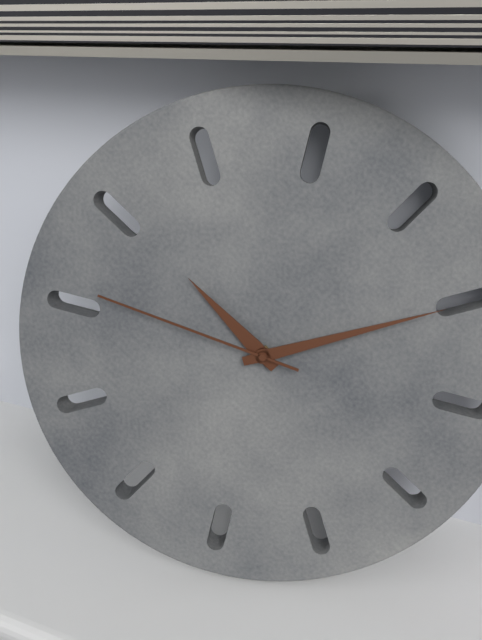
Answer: {"hour": 9, "minute": 5, "second": 41}
